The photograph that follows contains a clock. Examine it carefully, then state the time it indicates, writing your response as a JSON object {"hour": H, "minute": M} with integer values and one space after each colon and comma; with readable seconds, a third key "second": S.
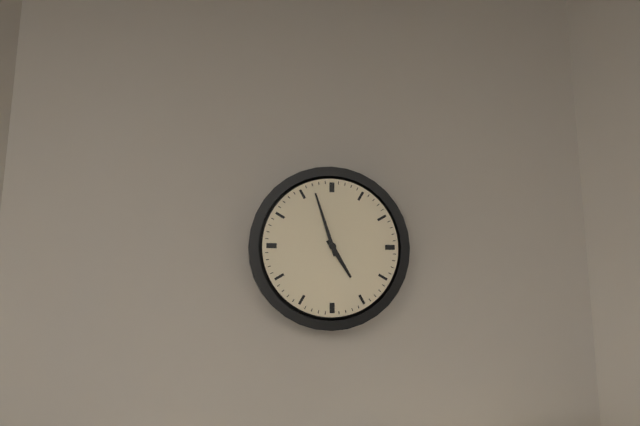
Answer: {"hour": 4, "minute": 57}
